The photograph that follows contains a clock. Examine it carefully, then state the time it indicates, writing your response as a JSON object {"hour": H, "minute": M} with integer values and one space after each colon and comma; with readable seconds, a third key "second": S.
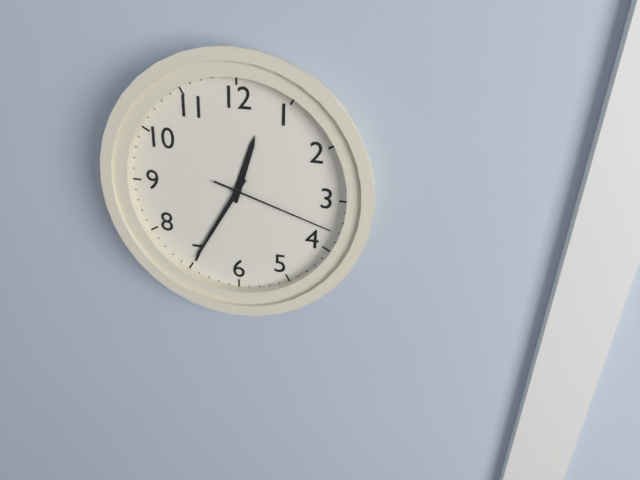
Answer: {"hour": 12, "minute": 35, "second": 18}
